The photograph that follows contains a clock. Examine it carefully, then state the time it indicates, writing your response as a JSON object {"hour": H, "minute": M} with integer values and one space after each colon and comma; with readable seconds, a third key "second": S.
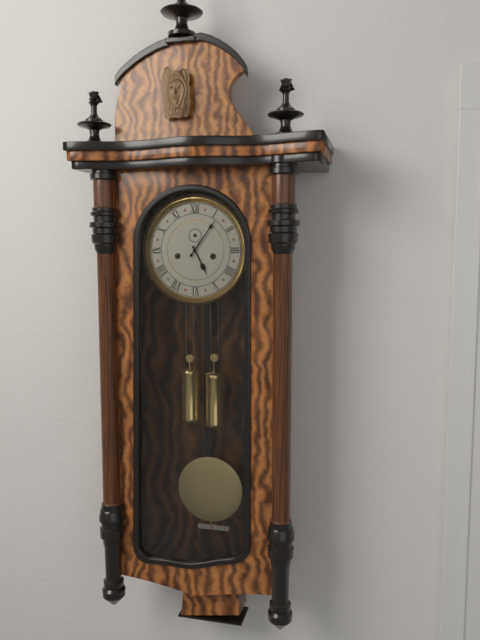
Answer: {"hour": 5, "minute": 6}
